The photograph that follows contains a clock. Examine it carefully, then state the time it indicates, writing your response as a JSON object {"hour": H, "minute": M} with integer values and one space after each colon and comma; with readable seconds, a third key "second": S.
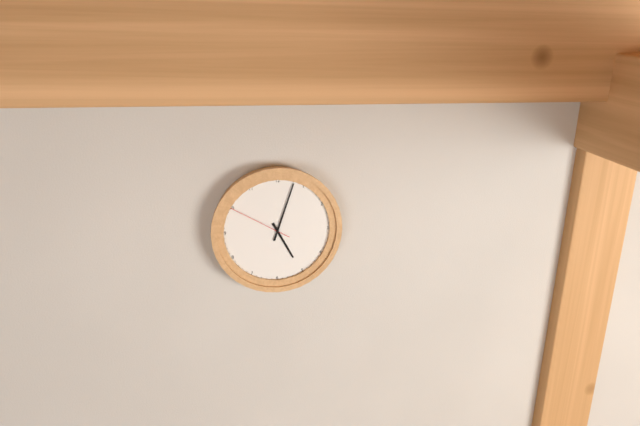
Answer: {"hour": 5, "minute": 3, "second": 50}
